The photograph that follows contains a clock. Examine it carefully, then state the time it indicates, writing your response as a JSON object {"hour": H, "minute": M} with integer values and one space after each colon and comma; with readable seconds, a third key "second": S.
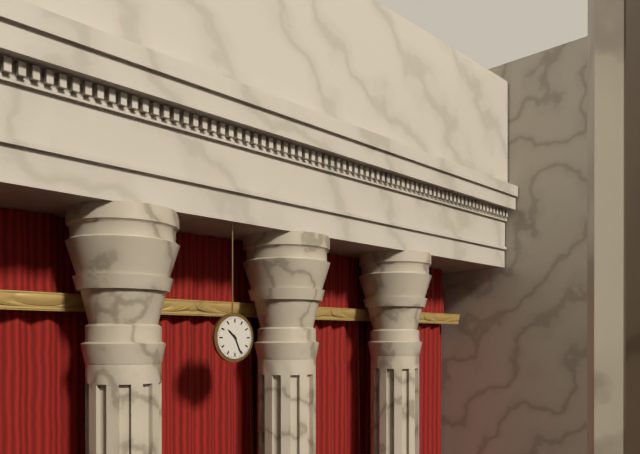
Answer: {"hour": 10, "minute": 26}
